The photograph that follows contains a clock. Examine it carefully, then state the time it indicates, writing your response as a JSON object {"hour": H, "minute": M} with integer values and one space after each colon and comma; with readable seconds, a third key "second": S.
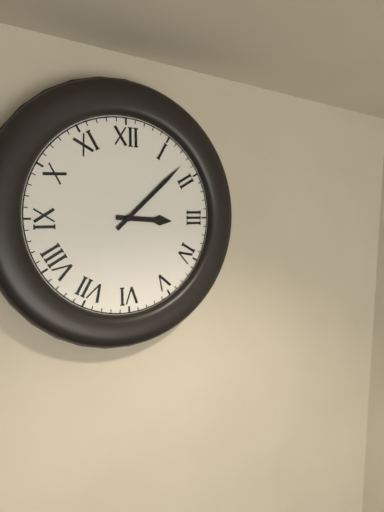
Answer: {"hour": 3, "minute": 8}
